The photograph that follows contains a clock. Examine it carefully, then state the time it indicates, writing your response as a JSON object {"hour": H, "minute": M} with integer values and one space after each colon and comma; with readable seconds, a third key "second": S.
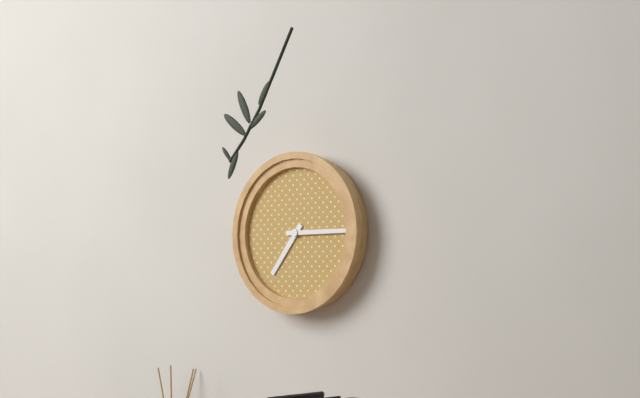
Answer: {"hour": 7, "minute": 15}
